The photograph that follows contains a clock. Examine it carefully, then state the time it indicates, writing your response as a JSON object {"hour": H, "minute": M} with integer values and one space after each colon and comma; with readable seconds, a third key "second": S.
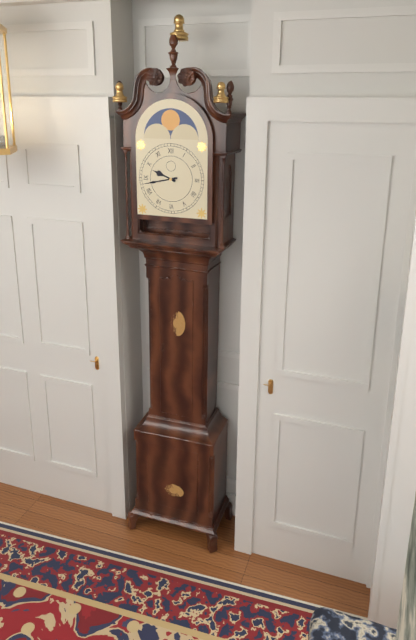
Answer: {"hour": 9, "minute": 43}
